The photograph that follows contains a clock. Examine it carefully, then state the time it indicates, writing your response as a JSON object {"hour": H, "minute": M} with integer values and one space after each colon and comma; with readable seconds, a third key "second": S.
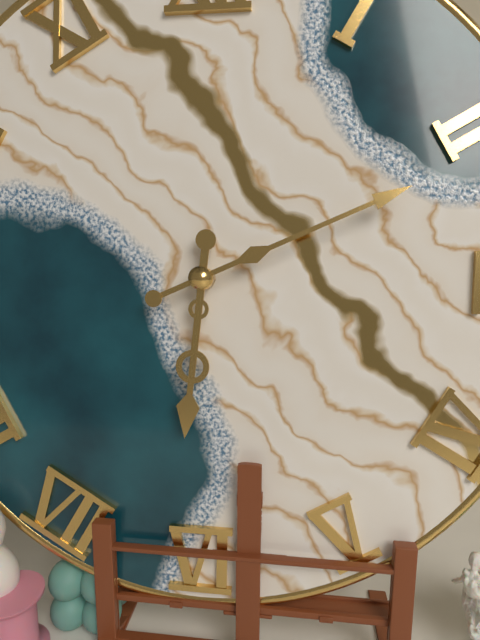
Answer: {"hour": 6, "minute": 11}
